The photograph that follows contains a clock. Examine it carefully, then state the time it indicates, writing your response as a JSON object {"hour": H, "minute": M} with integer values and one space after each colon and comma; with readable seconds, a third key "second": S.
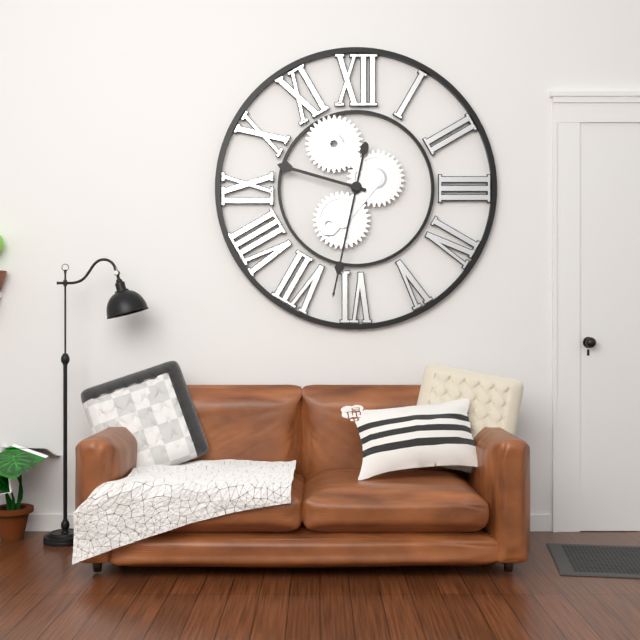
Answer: {"hour": 9, "minute": 32}
